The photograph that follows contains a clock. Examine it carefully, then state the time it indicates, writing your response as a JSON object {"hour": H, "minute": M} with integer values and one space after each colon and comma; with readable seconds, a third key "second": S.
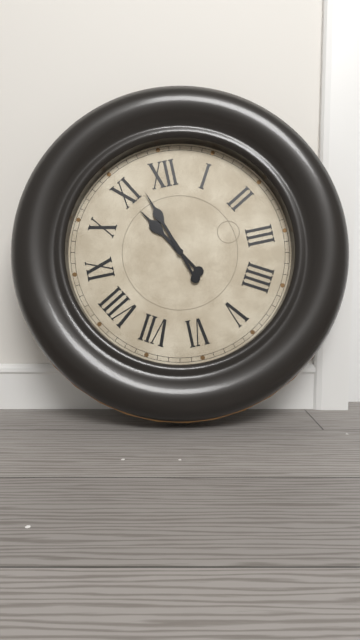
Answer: {"hour": 10, "minute": 57}
